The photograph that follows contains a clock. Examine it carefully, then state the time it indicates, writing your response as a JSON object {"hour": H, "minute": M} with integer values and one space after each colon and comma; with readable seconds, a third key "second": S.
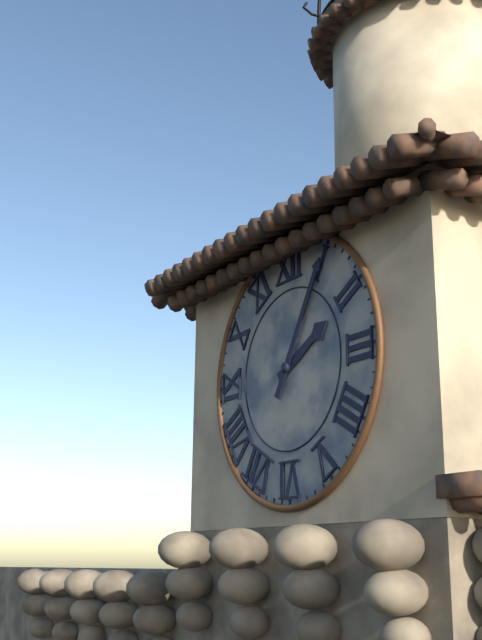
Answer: {"hour": 2, "minute": 5}
